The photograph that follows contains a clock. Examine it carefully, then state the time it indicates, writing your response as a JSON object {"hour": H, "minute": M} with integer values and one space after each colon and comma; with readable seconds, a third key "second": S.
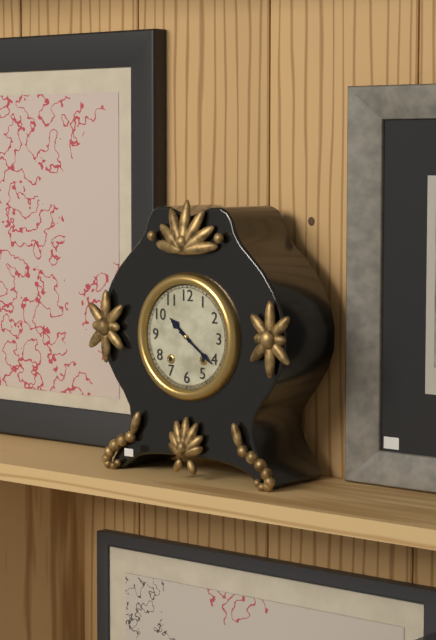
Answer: {"hour": 10, "minute": 21}
